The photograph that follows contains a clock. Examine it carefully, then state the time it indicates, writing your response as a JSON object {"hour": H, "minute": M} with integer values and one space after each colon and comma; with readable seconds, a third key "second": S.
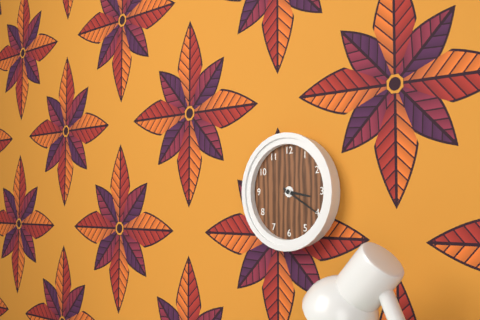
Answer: {"hour": 3, "minute": 20}
